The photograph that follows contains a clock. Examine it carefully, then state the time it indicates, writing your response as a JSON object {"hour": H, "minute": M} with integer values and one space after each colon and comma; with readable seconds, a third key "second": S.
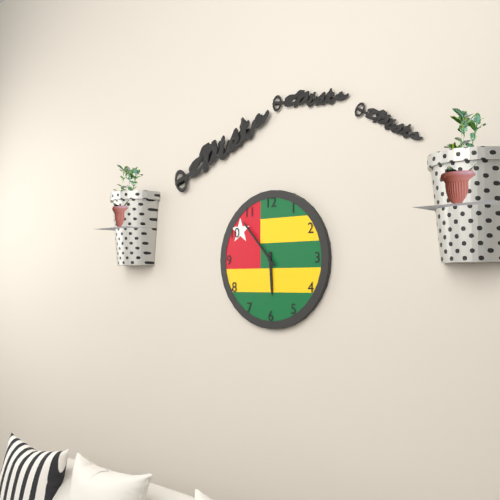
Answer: {"hour": 5, "minute": 53}
